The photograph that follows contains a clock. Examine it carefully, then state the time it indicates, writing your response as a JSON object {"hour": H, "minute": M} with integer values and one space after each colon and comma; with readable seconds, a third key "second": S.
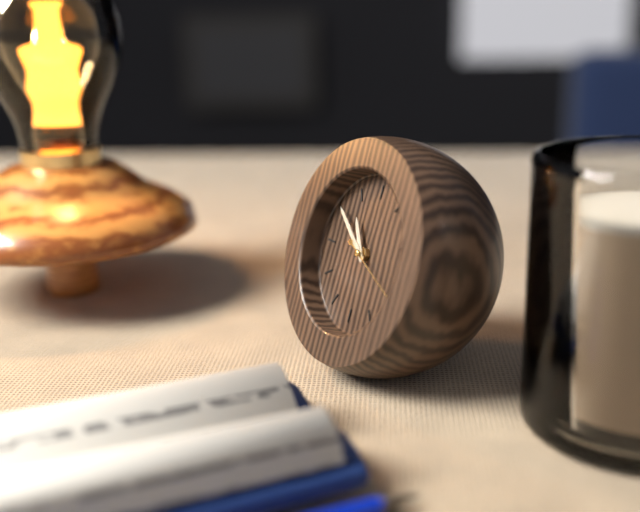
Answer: {"hour": 10, "minute": 51, "second": 19}
